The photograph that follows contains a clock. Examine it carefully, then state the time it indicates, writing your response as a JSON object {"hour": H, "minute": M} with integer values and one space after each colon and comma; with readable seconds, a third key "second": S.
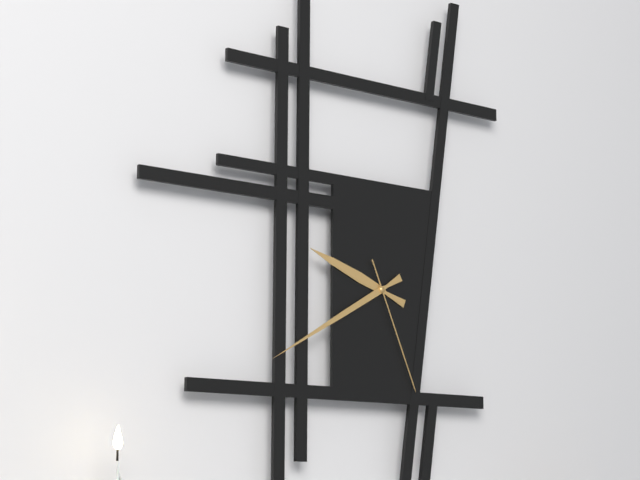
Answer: {"hour": 9, "minute": 40, "second": 26}
